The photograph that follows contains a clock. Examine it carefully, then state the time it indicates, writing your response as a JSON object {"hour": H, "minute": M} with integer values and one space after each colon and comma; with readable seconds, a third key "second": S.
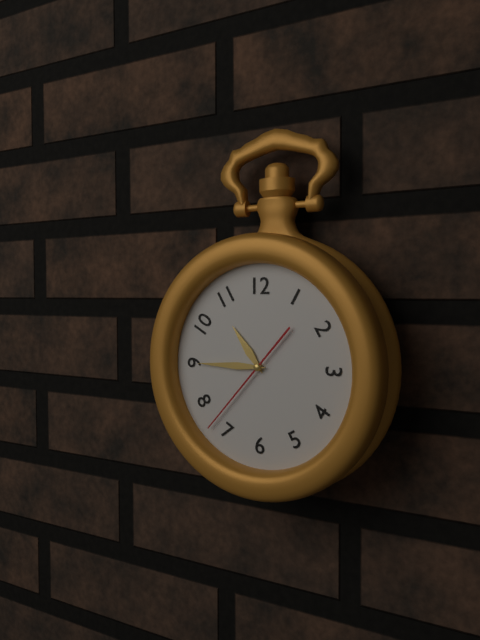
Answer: {"hour": 10, "minute": 45, "second": 37}
